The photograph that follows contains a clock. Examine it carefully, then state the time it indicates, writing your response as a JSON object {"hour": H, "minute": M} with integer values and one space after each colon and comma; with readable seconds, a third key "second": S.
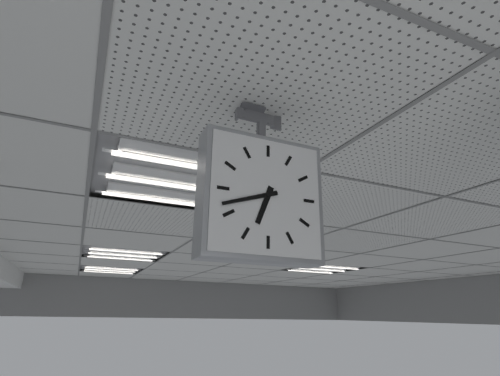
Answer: {"hour": 6, "minute": 42}
